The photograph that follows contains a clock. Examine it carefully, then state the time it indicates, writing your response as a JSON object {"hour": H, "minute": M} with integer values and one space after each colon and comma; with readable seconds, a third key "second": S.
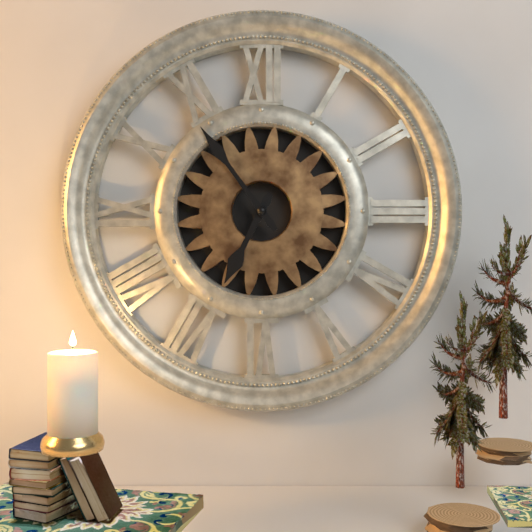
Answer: {"hour": 6, "minute": 54}
